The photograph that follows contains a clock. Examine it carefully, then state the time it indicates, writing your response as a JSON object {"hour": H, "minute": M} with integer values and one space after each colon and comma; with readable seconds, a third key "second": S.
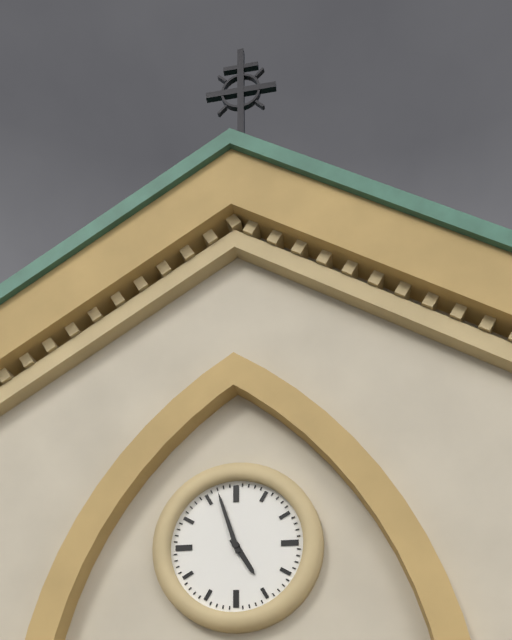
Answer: {"hour": 4, "minute": 57}
